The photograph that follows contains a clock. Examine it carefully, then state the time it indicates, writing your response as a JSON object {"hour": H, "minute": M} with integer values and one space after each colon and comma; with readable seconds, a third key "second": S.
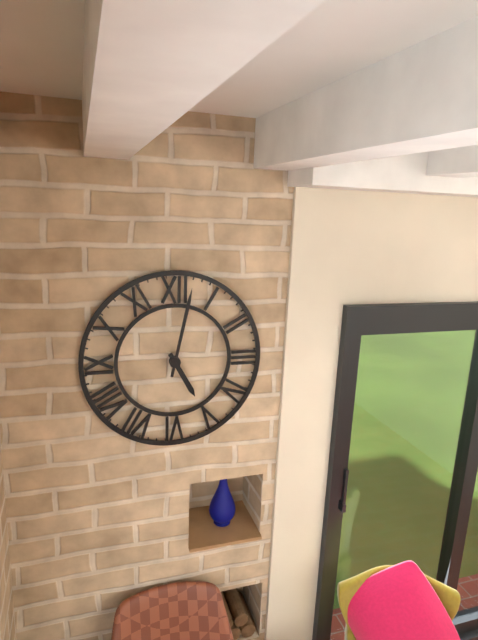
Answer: {"hour": 5, "minute": 2}
